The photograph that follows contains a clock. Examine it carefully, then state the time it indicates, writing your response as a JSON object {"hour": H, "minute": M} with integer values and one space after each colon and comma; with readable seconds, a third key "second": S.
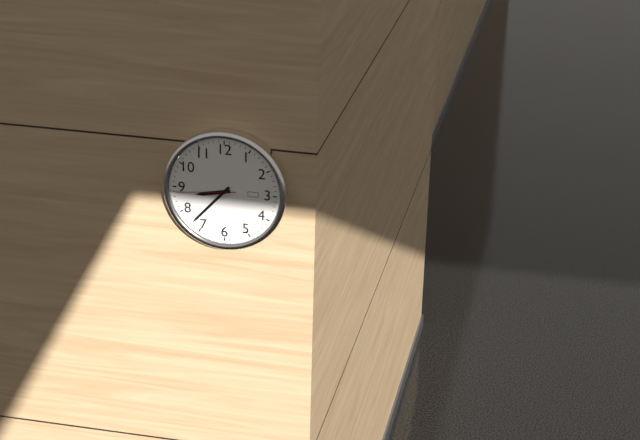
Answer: {"hour": 8, "minute": 37, "second": 44}
